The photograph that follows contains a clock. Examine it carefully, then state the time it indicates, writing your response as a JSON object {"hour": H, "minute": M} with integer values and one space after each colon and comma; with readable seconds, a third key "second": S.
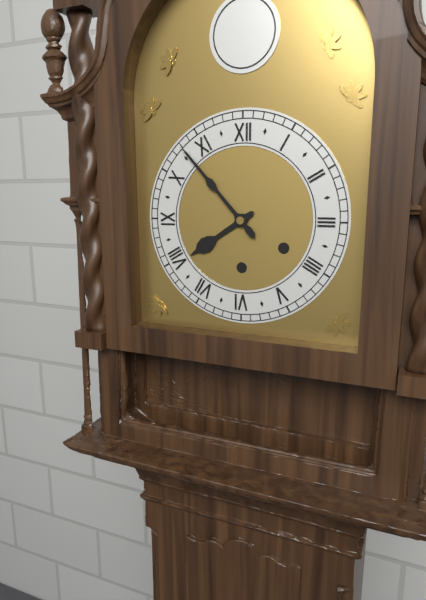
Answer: {"hour": 7, "minute": 53}
